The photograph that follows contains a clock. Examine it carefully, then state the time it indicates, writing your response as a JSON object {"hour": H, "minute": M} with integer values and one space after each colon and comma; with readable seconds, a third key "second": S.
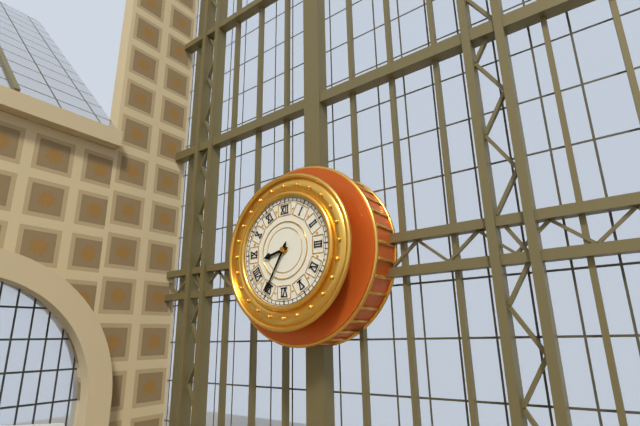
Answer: {"hour": 8, "minute": 35}
